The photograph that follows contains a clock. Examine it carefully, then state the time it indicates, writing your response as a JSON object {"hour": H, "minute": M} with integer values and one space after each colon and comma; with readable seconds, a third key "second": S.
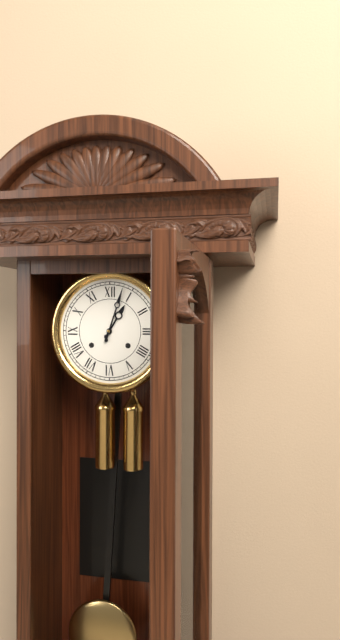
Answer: {"hour": 1, "minute": 3}
